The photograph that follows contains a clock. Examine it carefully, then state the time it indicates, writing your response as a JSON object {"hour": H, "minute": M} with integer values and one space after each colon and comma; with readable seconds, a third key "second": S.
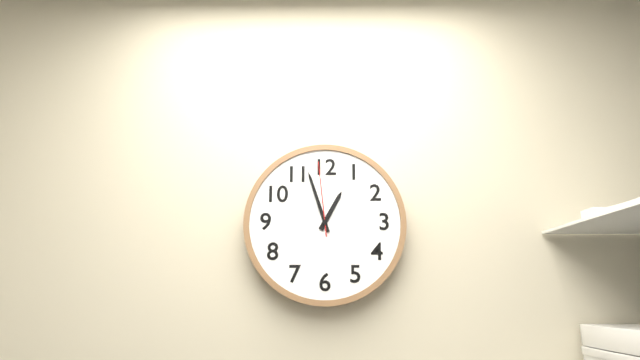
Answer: {"hour": 12, "minute": 57, "second": 59}
